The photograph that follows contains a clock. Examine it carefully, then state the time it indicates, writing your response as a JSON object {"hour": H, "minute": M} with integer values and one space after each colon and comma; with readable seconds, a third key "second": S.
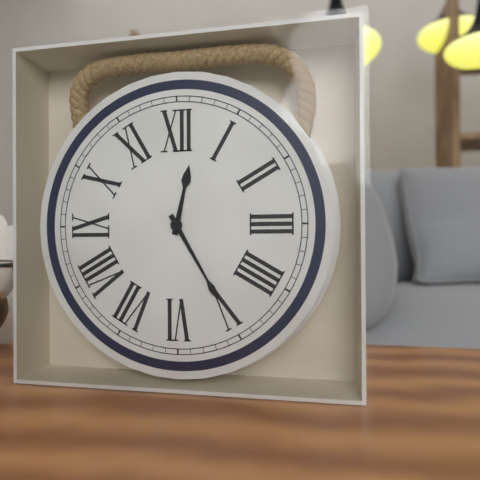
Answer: {"hour": 12, "minute": 25}
